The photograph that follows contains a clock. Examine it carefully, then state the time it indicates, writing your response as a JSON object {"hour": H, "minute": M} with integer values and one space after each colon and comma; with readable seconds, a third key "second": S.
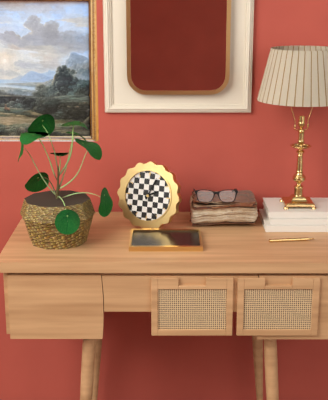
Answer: {"hour": 2, "minute": 4}
